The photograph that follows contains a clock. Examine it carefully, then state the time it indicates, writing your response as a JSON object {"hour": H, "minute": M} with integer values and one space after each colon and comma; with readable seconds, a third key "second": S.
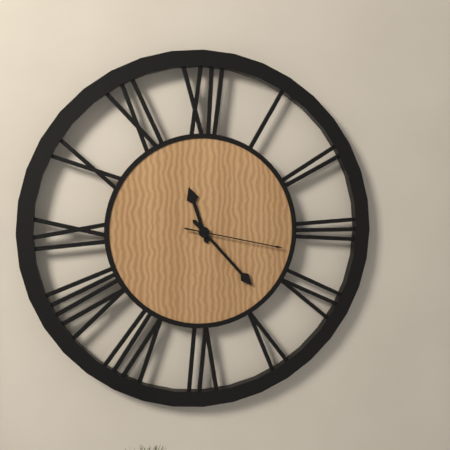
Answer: {"hour": 11, "minute": 23, "second": 17}
